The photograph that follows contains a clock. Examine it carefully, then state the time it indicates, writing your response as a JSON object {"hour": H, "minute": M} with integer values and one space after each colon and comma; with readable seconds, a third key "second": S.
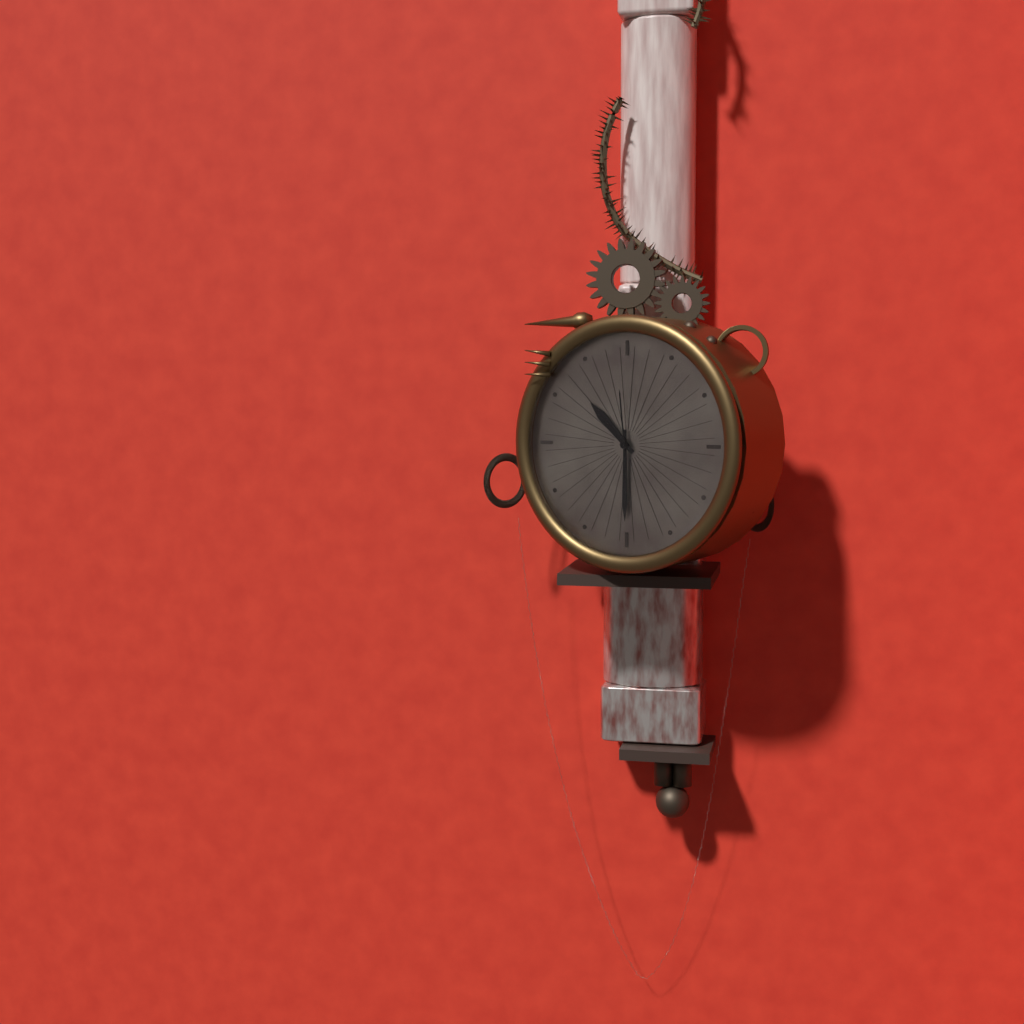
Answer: {"hour": 10, "minute": 30, "second": 59}
